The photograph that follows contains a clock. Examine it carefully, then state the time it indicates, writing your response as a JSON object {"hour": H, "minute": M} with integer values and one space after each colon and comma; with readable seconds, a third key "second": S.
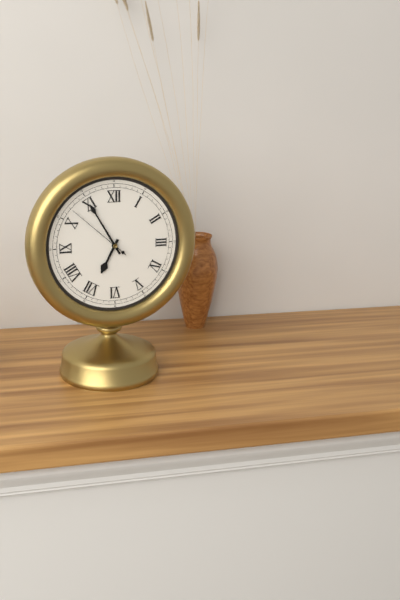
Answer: {"hour": 6, "minute": 55, "second": 52}
